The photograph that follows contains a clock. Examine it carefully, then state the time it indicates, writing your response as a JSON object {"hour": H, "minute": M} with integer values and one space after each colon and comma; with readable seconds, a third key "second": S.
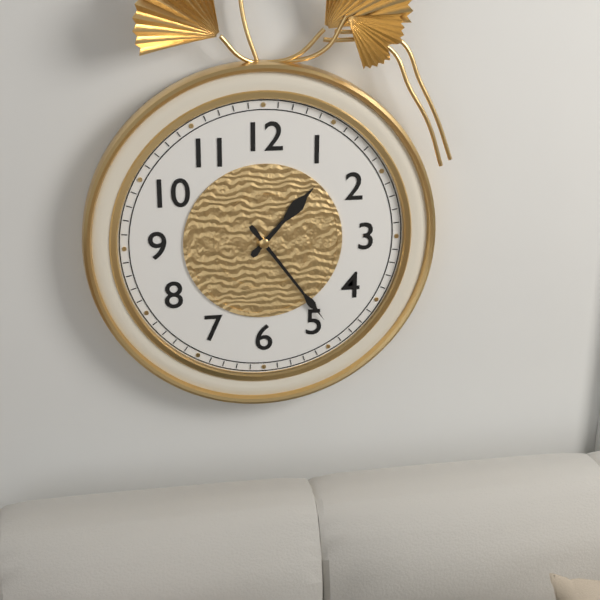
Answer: {"hour": 1, "minute": 24}
